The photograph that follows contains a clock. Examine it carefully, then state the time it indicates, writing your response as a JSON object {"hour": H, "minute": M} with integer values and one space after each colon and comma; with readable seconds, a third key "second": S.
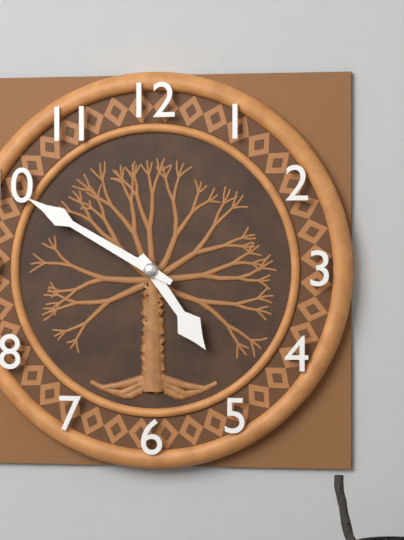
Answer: {"hour": 4, "minute": 50}
